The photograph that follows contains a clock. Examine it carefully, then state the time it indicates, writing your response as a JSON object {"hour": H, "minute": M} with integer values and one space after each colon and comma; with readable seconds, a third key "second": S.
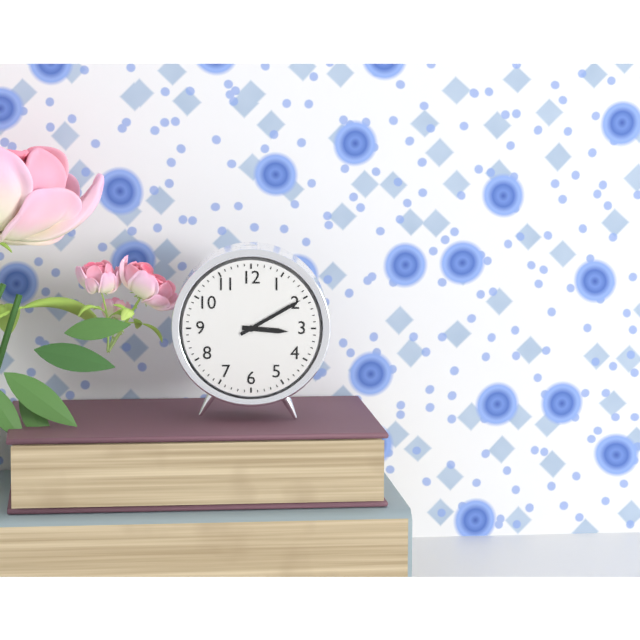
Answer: {"hour": 3, "minute": 10}
